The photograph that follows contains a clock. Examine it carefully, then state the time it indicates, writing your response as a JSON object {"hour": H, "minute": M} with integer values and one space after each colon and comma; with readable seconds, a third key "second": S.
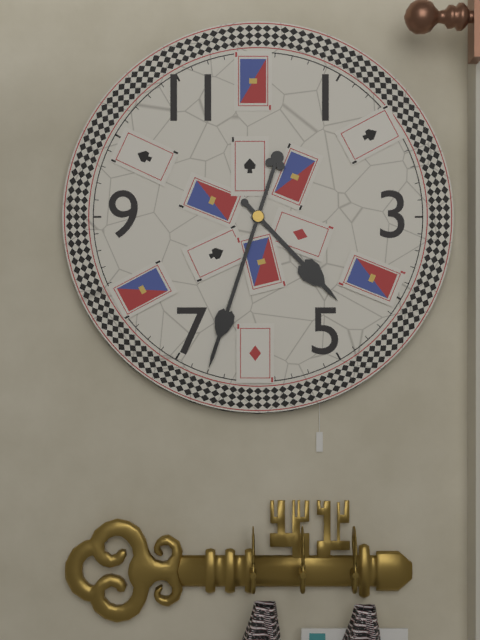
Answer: {"hour": 4, "minute": 33}
